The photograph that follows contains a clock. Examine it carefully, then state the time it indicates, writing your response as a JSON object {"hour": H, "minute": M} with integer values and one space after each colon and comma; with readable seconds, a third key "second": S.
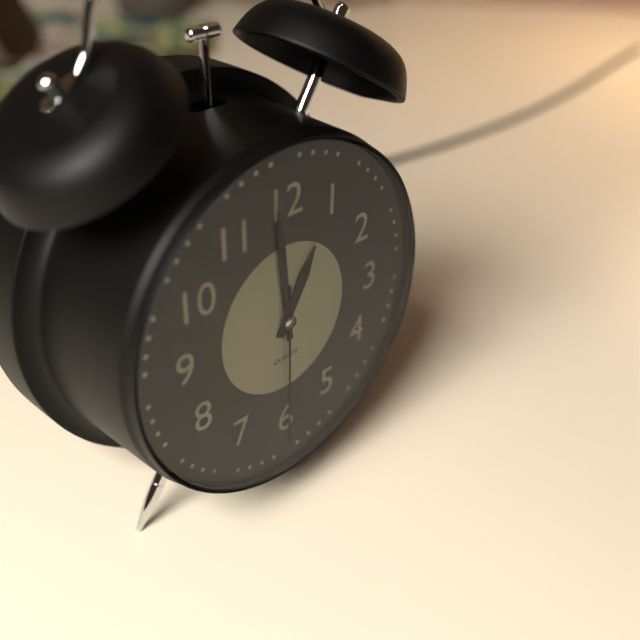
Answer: {"hour": 12, "minute": 59, "second": 30}
